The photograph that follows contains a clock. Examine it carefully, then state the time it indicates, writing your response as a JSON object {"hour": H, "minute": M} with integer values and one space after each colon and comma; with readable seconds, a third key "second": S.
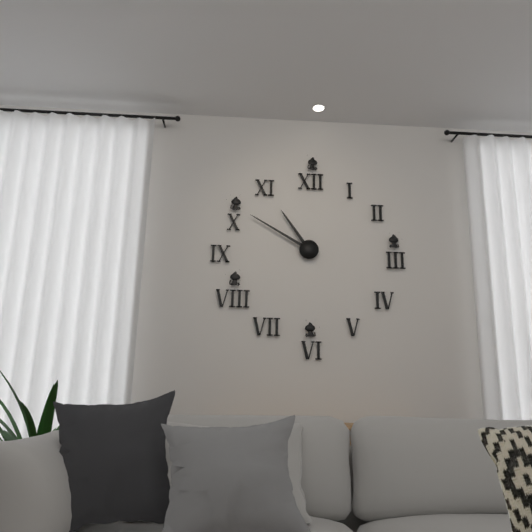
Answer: {"hour": 10, "minute": 50}
